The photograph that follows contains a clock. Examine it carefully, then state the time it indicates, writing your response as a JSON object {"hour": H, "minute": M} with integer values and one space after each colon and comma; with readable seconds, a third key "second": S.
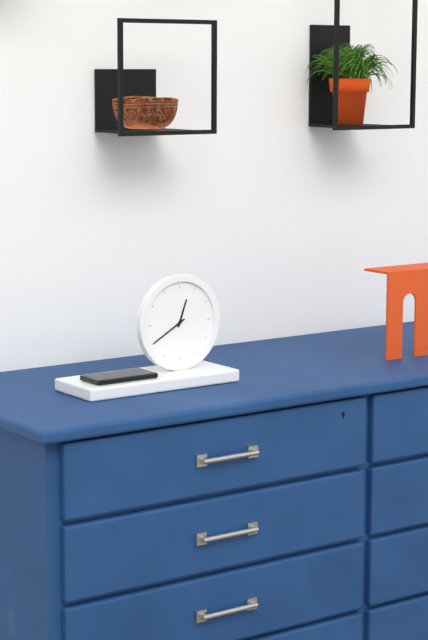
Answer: {"hour": 12, "minute": 40}
